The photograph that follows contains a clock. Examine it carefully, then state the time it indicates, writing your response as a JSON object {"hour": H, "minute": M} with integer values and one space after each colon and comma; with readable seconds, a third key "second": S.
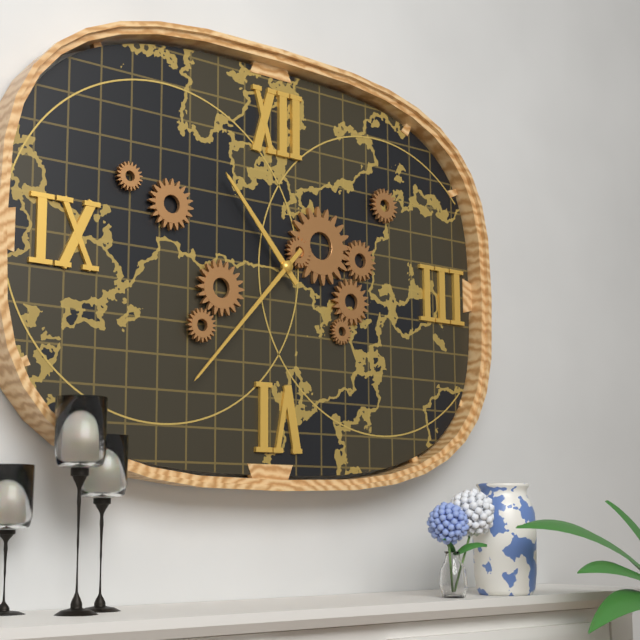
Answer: {"hour": 10, "minute": 37}
